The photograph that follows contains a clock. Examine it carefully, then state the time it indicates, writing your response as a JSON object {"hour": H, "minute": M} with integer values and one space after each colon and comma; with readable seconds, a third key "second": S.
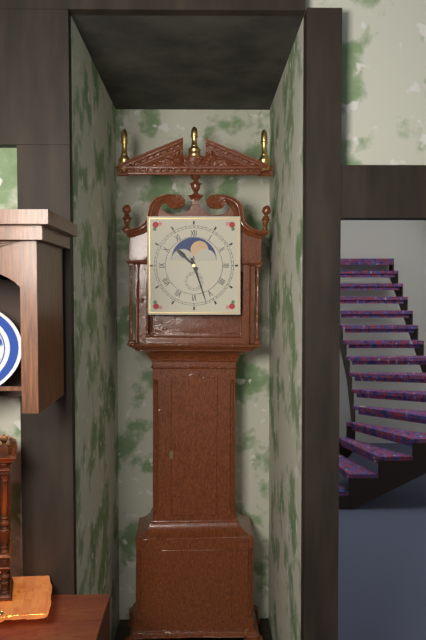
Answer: {"hour": 10, "minute": 27}
